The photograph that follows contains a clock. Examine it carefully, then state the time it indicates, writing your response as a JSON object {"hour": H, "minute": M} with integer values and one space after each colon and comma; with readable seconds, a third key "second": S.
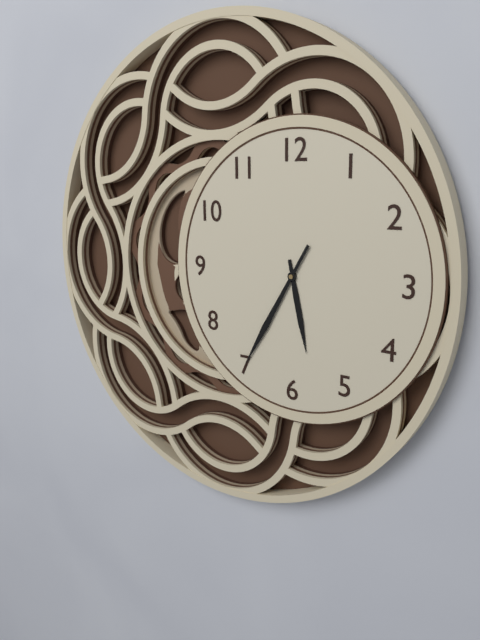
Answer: {"hour": 5, "minute": 35}
